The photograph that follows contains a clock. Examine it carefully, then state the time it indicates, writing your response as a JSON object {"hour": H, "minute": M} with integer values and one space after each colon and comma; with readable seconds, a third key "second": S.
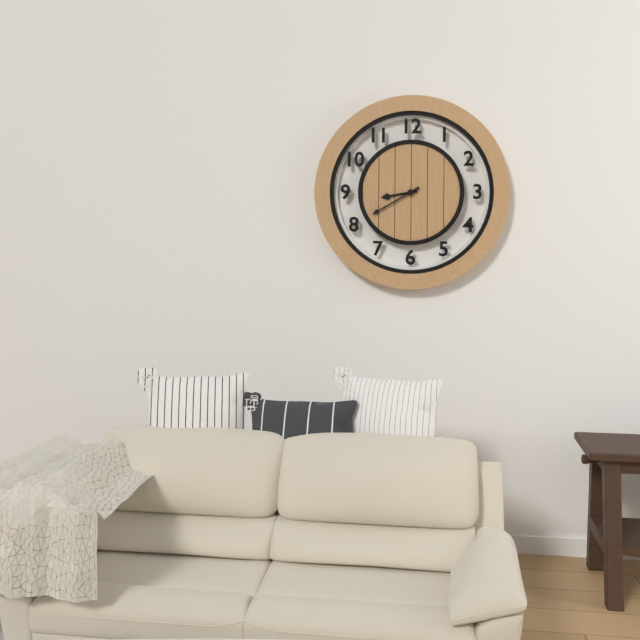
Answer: {"hour": 8, "minute": 40}
